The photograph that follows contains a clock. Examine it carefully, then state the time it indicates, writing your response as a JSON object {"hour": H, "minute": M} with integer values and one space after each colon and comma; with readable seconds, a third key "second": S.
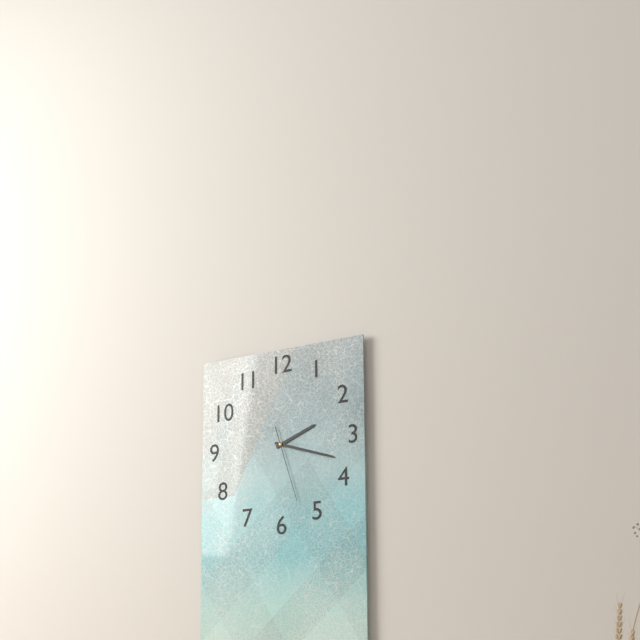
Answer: {"hour": 2, "minute": 18, "second": 27}
